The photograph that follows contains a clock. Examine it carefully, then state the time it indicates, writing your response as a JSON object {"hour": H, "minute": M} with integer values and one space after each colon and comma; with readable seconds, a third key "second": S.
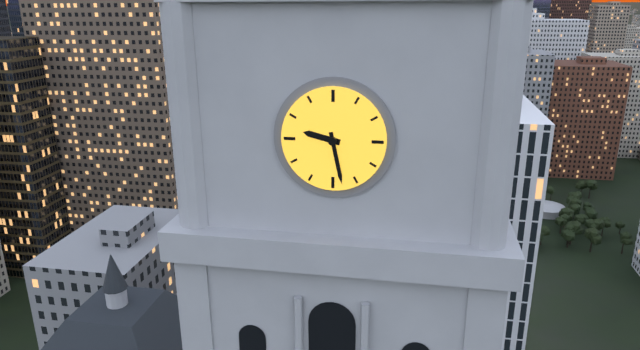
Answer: {"hour": 9, "minute": 28}
